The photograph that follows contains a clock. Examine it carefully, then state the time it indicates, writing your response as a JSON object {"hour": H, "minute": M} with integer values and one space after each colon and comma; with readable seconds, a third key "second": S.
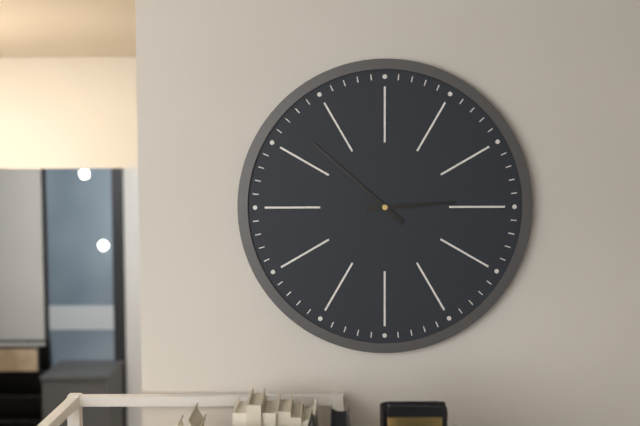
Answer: {"hour": 2, "minute": 52}
